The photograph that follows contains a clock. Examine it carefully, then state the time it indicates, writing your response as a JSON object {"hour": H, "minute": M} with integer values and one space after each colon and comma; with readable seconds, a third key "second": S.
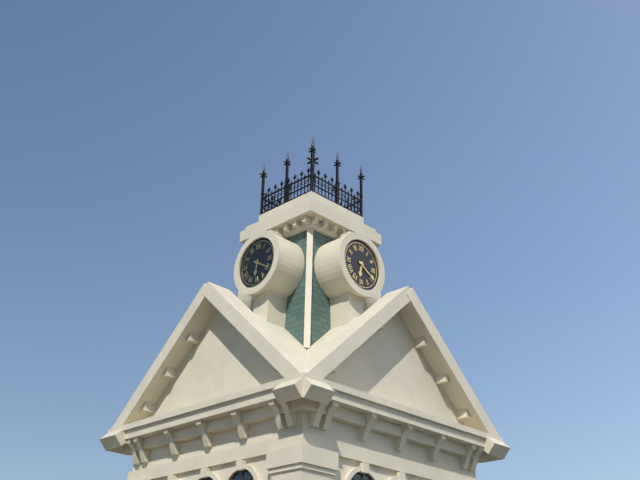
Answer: {"hour": 6, "minute": 20}
